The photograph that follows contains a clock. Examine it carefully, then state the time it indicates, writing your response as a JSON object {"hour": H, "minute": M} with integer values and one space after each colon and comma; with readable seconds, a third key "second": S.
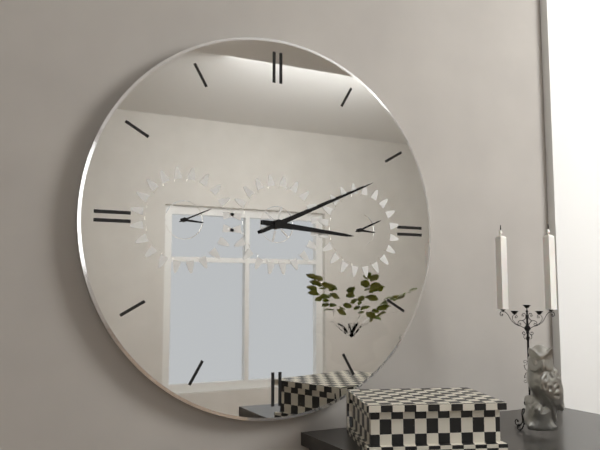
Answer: {"hour": 3, "minute": 11}
